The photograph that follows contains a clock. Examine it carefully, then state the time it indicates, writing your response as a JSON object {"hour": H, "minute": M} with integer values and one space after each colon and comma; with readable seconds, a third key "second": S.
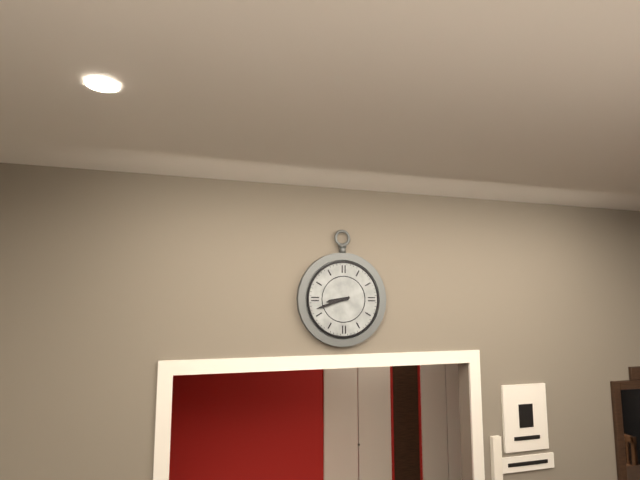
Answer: {"hour": 8, "minute": 42}
